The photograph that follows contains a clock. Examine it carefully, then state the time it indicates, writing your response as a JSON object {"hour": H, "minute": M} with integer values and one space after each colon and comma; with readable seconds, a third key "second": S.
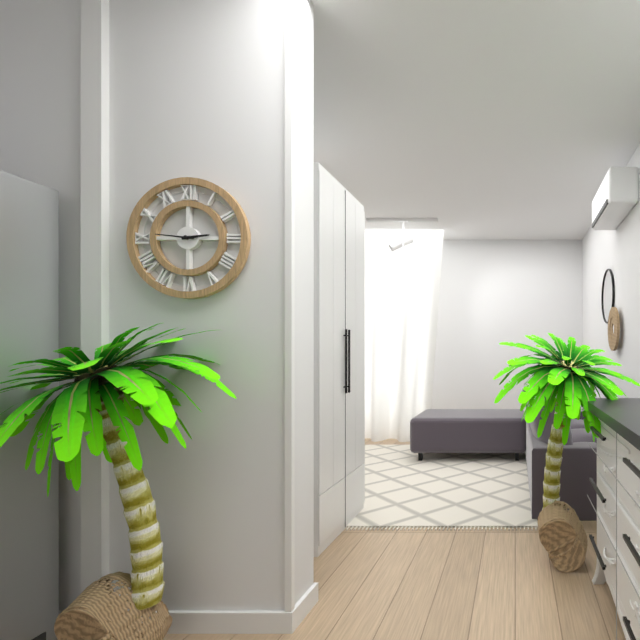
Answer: {"hour": 2, "minute": 46}
